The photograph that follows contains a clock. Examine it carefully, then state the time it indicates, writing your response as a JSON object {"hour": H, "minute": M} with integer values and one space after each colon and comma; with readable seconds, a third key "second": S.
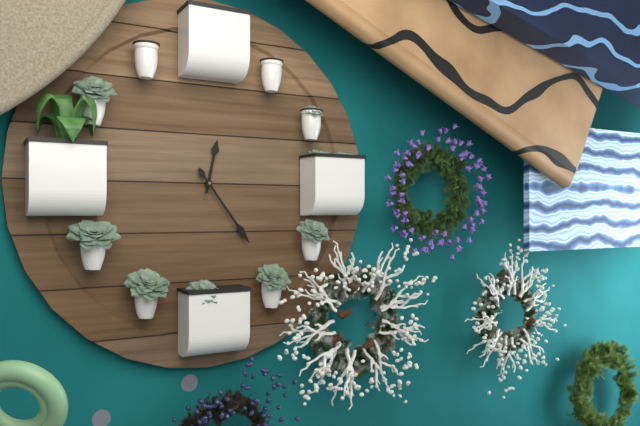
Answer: {"hour": 12, "minute": 24}
